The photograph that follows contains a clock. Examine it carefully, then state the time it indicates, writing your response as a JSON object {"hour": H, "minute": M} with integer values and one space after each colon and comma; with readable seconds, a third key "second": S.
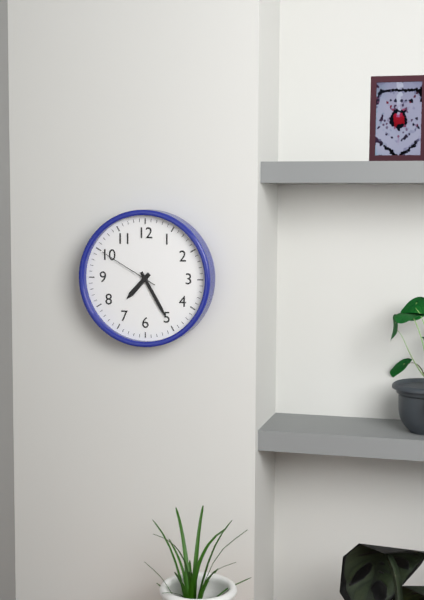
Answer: {"hour": 7, "minute": 25, "second": 50}
